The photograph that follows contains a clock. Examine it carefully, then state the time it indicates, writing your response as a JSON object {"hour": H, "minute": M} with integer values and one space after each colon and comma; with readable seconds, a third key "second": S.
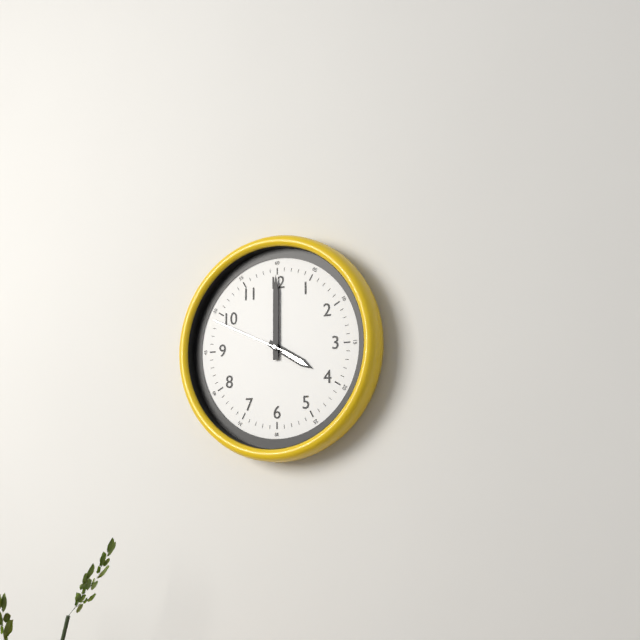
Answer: {"hour": 4, "minute": 0, "second": 49}
